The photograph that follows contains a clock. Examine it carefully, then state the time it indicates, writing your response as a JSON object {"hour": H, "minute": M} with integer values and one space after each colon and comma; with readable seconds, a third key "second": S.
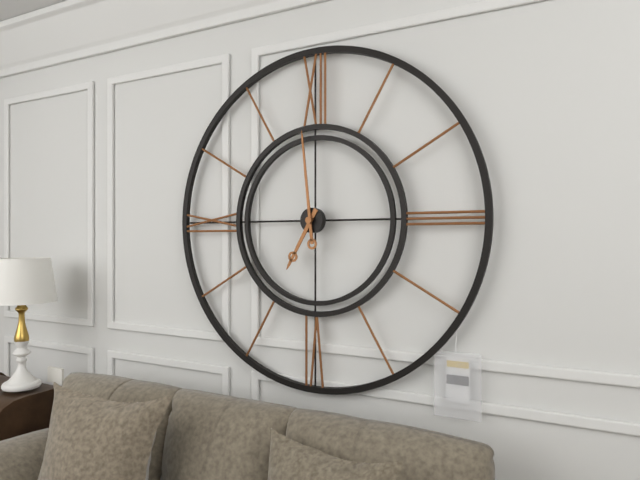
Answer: {"hour": 6, "minute": 59}
